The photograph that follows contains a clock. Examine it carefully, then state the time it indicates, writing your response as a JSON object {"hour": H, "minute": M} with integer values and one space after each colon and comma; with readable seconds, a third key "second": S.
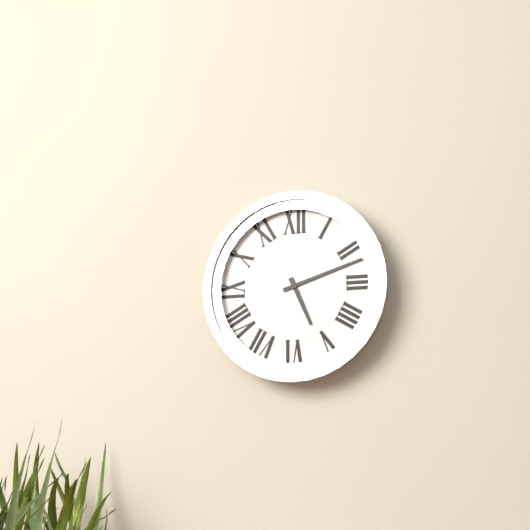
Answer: {"hour": 5, "minute": 12}
